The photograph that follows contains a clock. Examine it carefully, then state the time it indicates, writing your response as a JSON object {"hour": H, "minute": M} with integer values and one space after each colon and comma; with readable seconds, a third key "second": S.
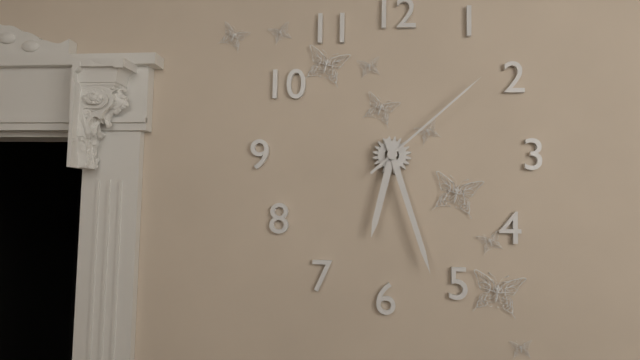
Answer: {"hour": 6, "minute": 27, "second": 8}
